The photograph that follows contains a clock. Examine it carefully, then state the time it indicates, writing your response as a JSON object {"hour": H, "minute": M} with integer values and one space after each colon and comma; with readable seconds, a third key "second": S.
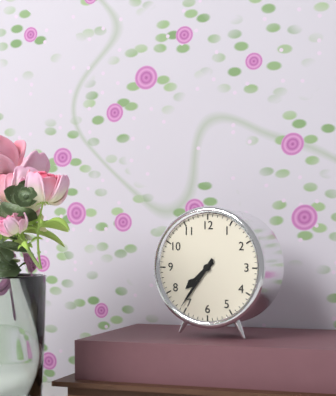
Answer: {"hour": 7, "minute": 36}
